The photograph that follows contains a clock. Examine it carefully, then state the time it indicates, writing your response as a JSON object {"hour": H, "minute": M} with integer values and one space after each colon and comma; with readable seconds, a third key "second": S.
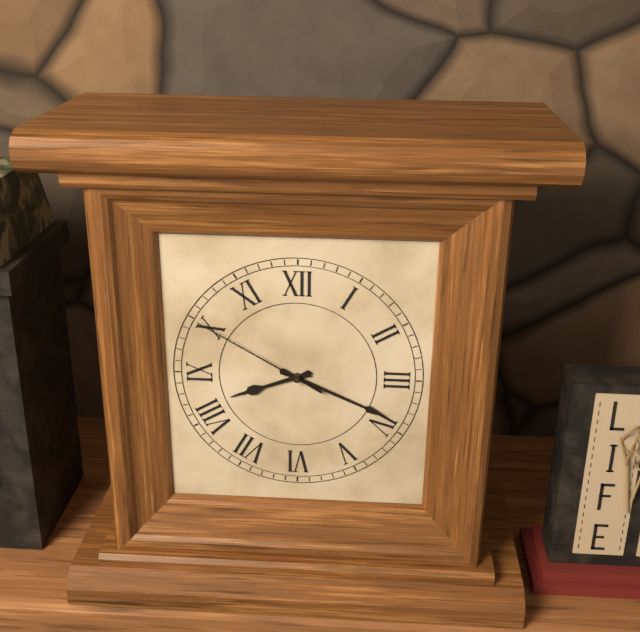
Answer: {"hour": 8, "minute": 19, "second": 50}
